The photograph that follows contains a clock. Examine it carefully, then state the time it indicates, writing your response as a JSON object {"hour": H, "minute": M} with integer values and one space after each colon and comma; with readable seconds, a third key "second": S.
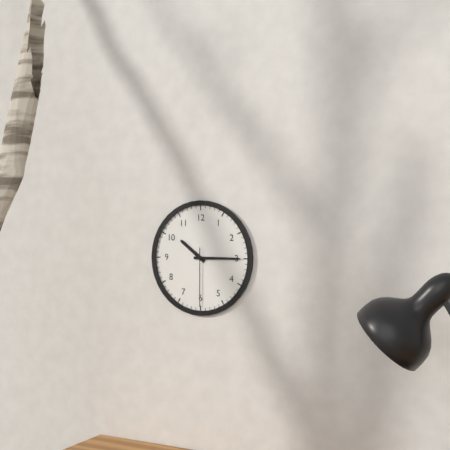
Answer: {"hour": 10, "minute": 15, "second": 30}
